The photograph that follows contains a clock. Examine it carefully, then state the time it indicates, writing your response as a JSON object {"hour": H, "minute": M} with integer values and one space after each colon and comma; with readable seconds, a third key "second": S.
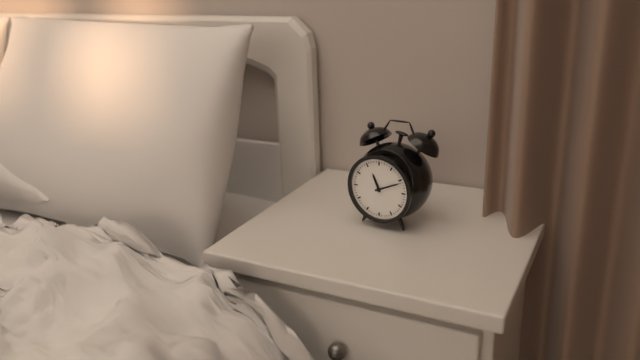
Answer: {"hour": 11, "minute": 11}
